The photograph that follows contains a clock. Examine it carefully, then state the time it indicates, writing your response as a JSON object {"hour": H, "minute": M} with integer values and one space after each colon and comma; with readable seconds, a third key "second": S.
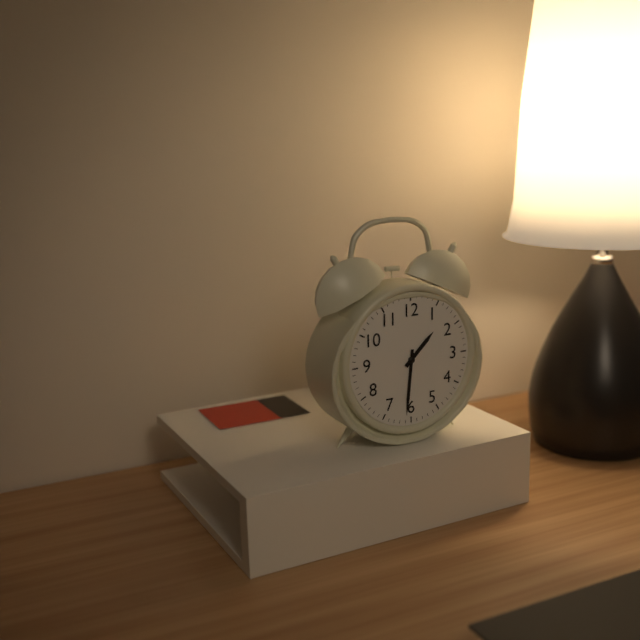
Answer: {"hour": 1, "minute": 31}
